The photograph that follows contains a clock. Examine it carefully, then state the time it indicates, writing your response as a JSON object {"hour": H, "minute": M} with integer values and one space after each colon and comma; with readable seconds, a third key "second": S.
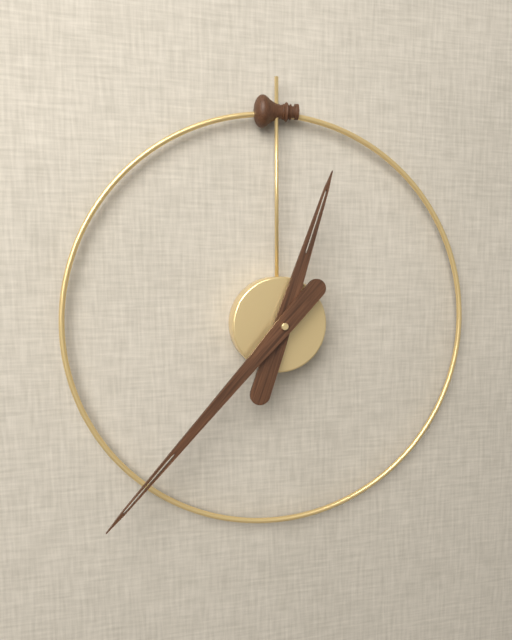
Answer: {"hour": 12, "minute": 37}
